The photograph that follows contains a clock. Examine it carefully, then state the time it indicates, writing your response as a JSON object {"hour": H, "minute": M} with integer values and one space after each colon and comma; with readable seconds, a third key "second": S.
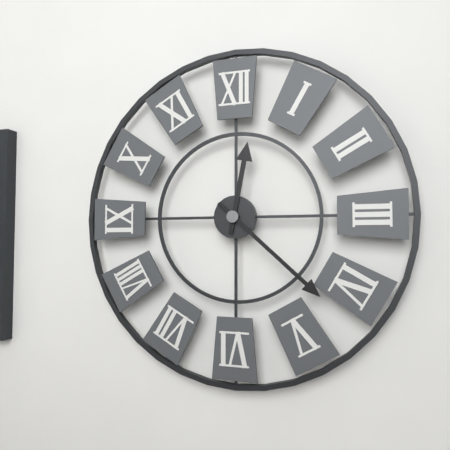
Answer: {"hour": 12, "minute": 22}
